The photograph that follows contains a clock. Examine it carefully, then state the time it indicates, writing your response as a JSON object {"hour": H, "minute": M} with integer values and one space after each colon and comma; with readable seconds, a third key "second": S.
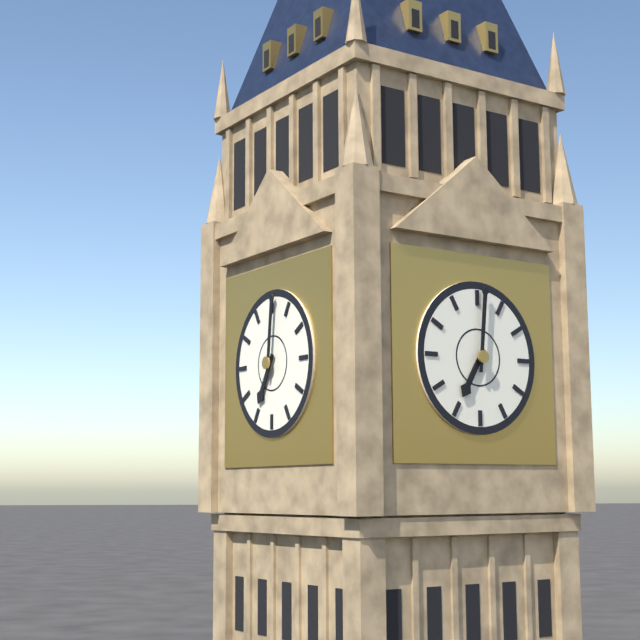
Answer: {"hour": 7, "minute": 1}
